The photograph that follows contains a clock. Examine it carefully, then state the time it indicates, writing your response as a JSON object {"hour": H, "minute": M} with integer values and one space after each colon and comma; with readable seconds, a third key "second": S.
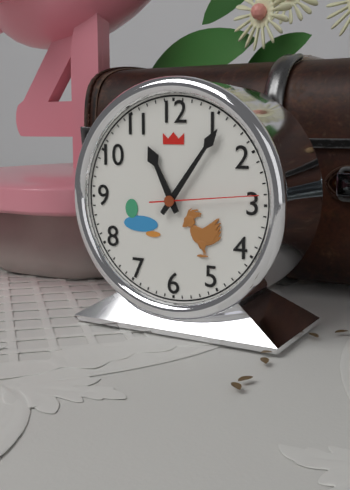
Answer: {"hour": 11, "minute": 6, "second": 14}
